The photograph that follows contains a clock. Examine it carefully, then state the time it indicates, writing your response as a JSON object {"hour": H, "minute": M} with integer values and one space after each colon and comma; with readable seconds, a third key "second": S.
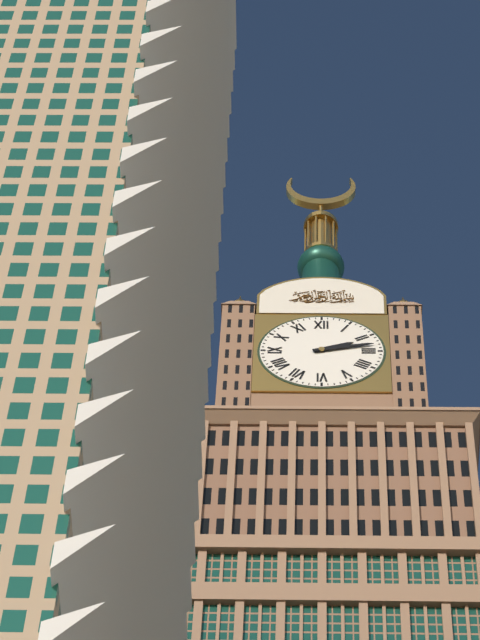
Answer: {"hour": 2, "minute": 13}
